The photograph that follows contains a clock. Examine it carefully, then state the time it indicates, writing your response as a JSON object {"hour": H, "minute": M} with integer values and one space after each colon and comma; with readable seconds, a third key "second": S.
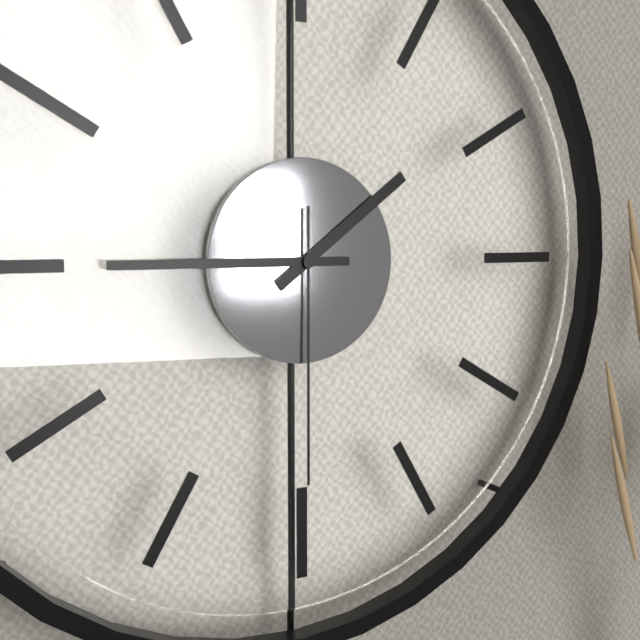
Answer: {"hour": 1, "minute": 45, "second": 30}
